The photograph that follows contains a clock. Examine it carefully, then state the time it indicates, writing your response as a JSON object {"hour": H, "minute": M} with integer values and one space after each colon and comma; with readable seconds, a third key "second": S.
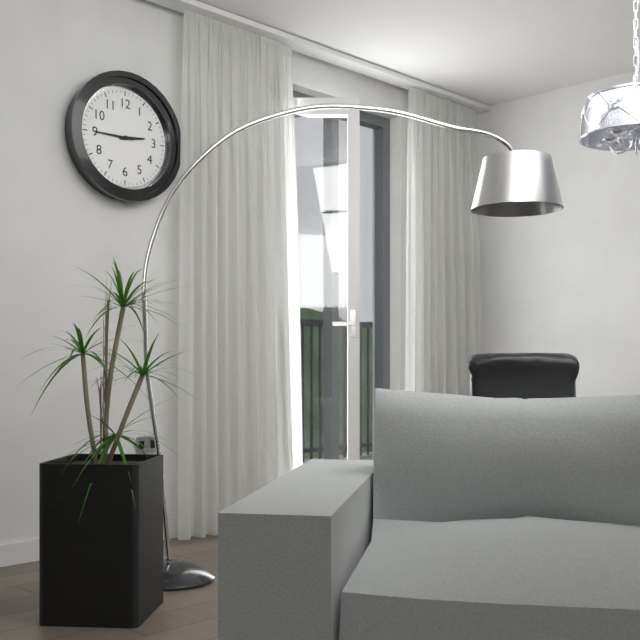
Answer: {"hour": 2, "minute": 45}
